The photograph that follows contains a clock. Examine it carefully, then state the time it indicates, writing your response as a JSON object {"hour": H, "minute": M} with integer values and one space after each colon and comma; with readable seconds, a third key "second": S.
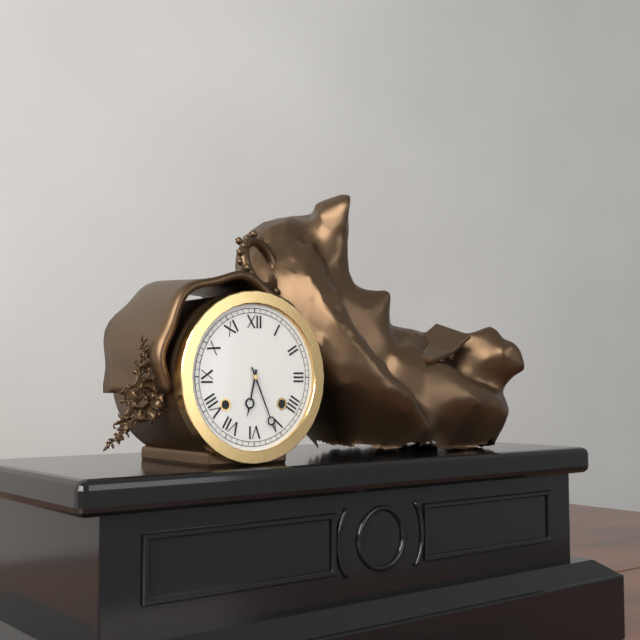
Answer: {"hour": 6, "minute": 26}
